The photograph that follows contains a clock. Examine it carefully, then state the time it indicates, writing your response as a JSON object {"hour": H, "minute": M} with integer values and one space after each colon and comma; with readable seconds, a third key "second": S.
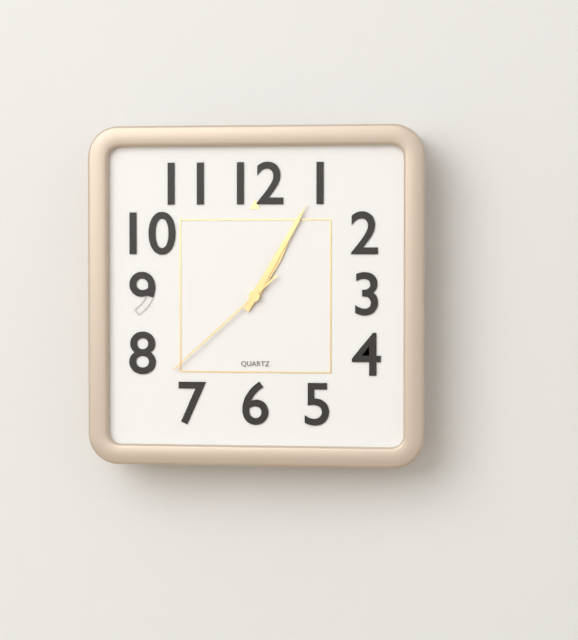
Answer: {"hour": 1, "minute": 5, "second": 38}
